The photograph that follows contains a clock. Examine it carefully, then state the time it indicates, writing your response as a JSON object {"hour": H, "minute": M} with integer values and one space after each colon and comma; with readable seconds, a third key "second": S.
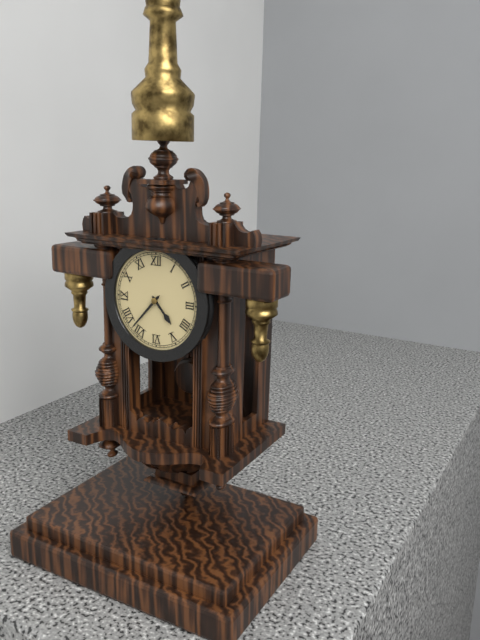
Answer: {"hour": 4, "minute": 37}
